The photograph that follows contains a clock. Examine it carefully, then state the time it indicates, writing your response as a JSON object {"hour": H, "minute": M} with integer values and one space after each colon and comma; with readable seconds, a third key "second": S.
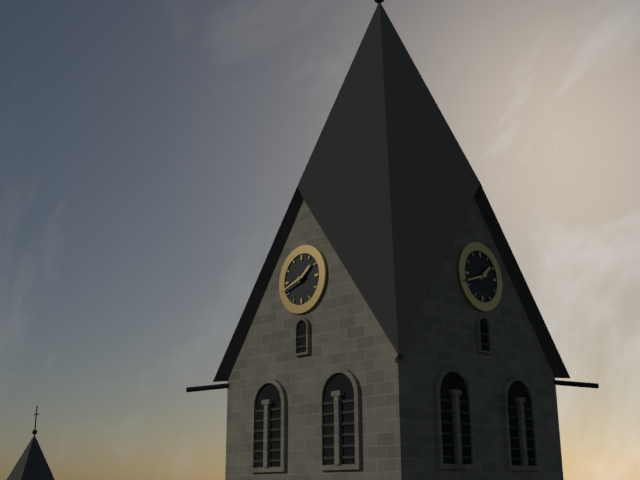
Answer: {"hour": 1, "minute": 42}
